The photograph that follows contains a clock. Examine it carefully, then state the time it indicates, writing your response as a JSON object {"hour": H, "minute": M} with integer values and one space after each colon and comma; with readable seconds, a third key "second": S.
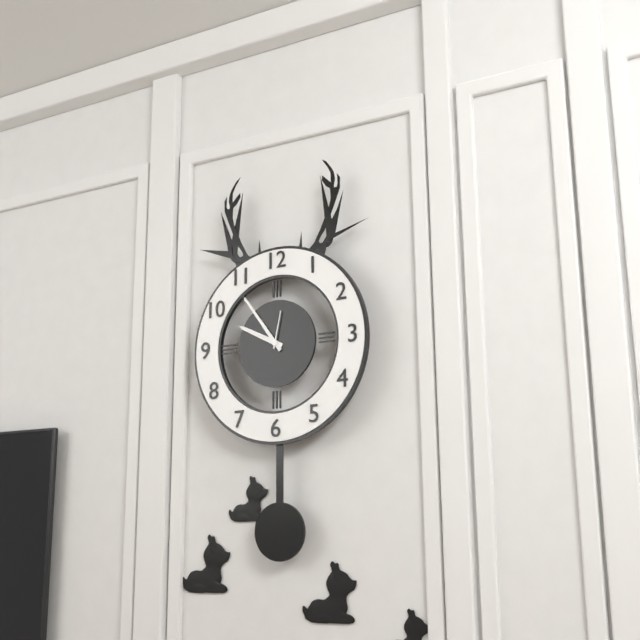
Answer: {"hour": 9, "minute": 54}
